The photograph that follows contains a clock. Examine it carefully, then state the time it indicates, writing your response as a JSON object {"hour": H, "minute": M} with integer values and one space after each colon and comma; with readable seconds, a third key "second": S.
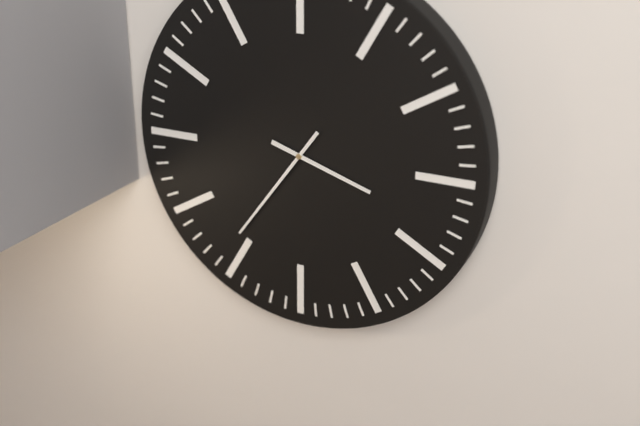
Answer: {"hour": 3, "minute": 36}
